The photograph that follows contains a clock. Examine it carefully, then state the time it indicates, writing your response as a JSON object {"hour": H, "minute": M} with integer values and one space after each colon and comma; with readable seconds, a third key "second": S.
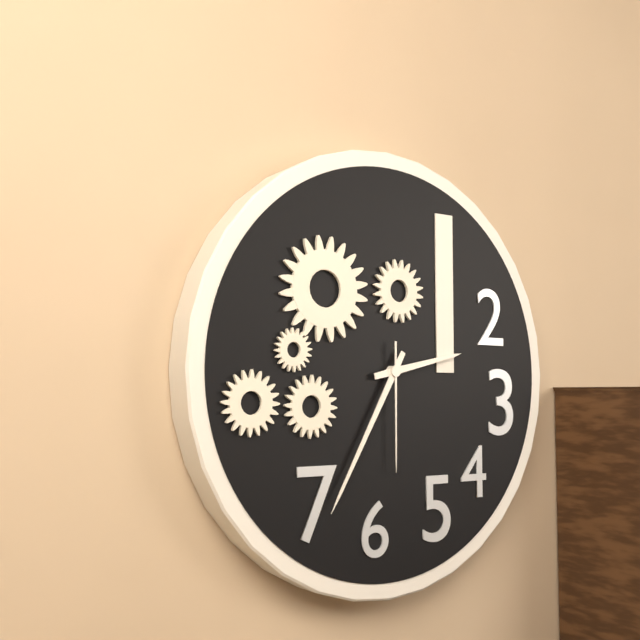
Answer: {"hour": 2, "minute": 35, "second": 30}
